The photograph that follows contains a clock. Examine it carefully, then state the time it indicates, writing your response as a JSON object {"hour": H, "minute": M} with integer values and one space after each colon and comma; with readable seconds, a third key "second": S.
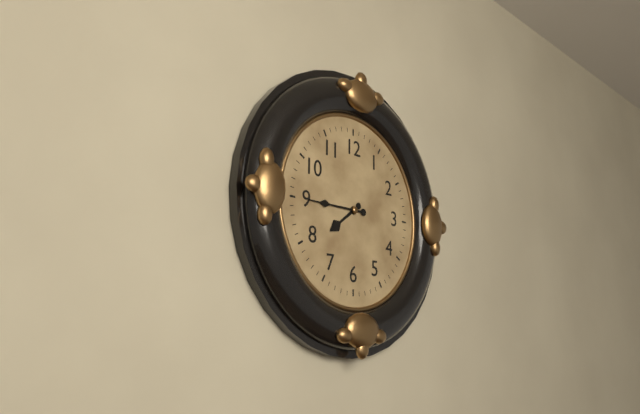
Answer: {"hour": 7, "minute": 45}
